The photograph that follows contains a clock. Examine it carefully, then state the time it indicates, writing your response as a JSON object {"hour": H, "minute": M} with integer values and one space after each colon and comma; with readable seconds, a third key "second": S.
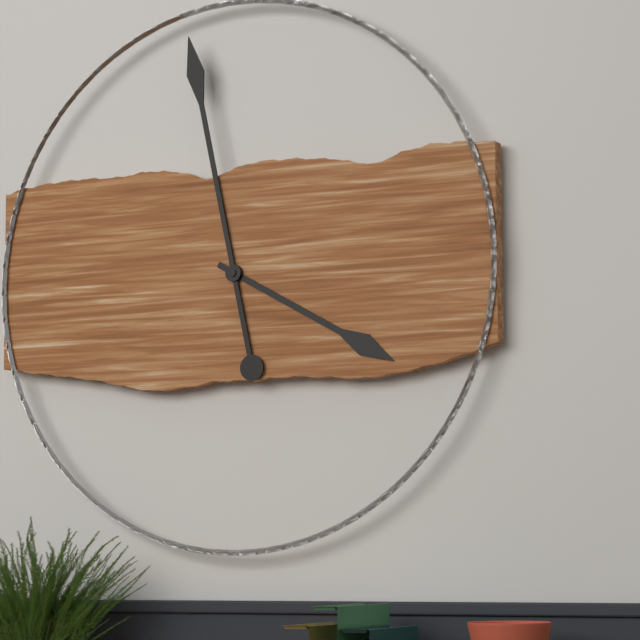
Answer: {"hour": 3, "minute": 58}
